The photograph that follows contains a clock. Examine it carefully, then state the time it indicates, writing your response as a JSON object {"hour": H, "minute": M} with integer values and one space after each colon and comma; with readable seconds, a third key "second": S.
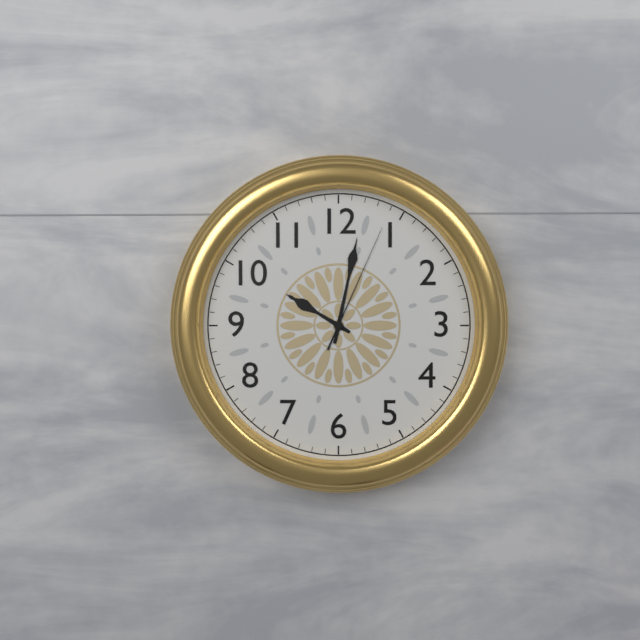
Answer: {"hour": 10, "minute": 2, "second": 4}
